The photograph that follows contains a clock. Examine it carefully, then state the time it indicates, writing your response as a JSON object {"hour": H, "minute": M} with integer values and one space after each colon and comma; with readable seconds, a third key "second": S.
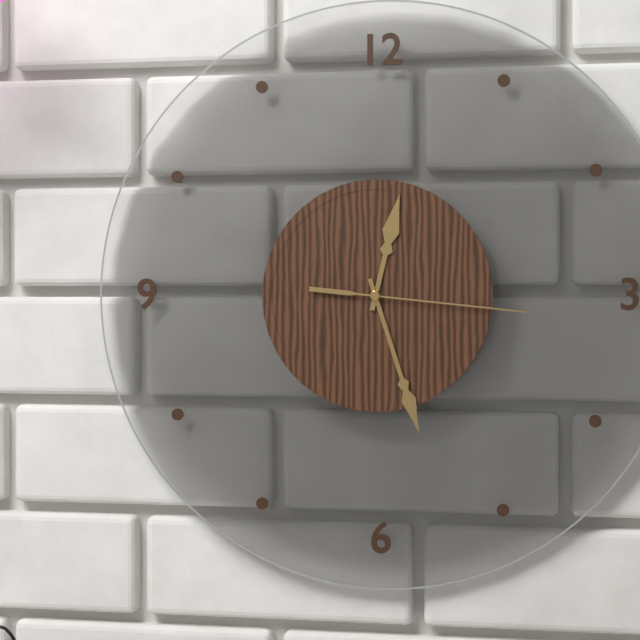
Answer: {"hour": 12, "minute": 27, "second": 16}
